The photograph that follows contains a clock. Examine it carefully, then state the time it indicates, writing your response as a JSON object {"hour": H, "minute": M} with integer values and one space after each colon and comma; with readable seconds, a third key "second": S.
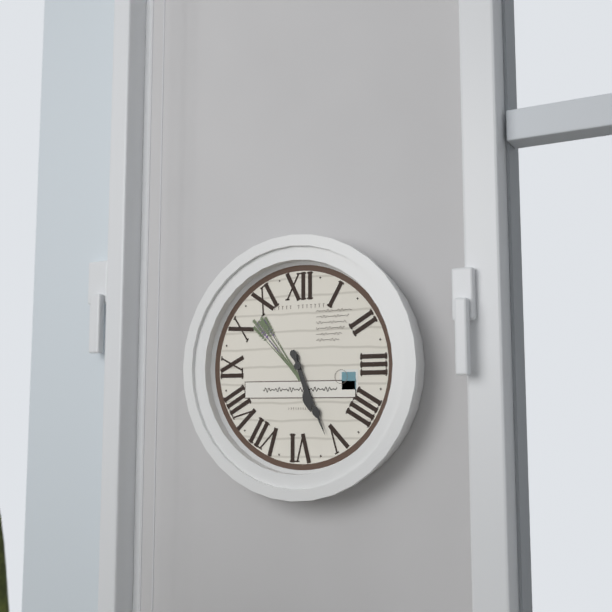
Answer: {"hour": 5, "minute": 26}
